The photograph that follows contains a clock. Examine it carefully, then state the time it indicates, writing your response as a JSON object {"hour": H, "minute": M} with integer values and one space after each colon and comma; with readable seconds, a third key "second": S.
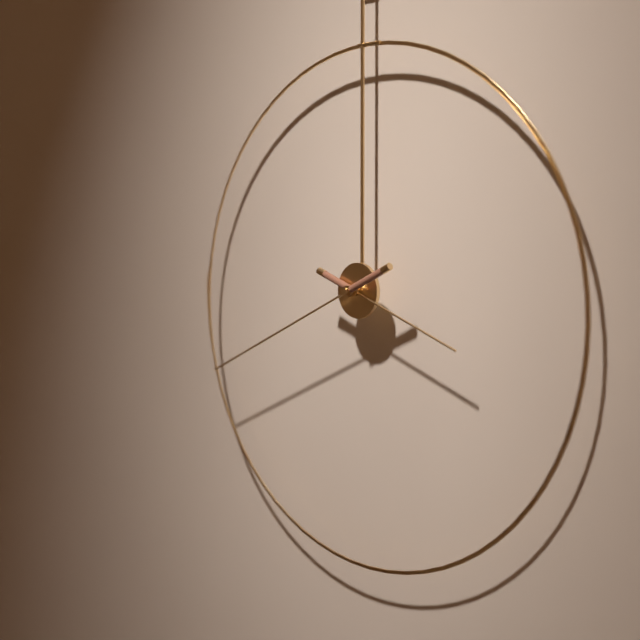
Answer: {"hour": 3, "minute": 41}
